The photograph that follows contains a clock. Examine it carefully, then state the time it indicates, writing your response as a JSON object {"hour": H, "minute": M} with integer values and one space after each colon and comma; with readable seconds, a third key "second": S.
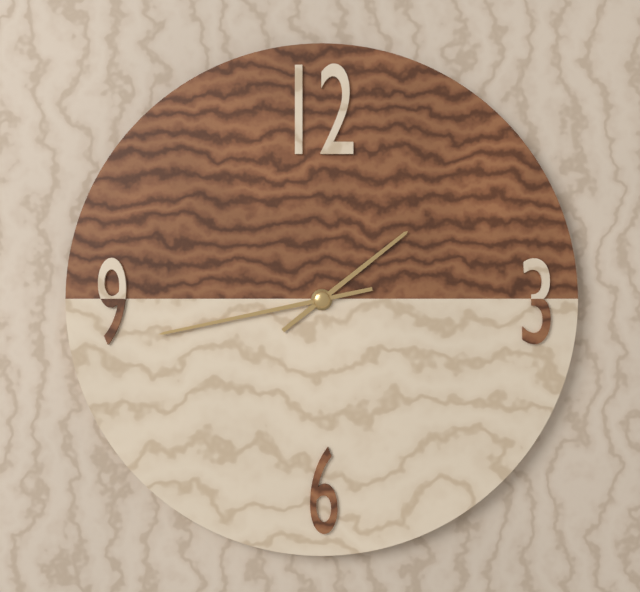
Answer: {"hour": 1, "minute": 43}
